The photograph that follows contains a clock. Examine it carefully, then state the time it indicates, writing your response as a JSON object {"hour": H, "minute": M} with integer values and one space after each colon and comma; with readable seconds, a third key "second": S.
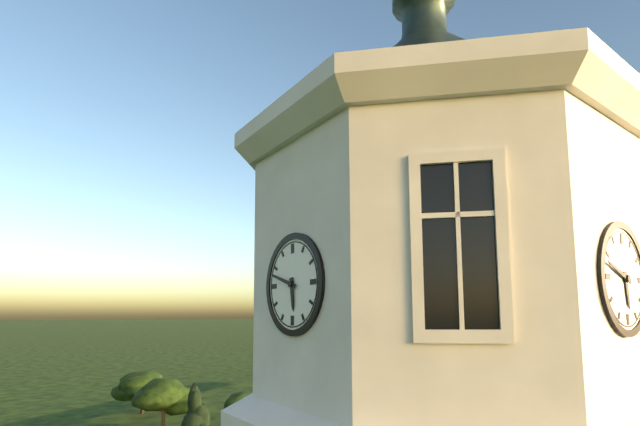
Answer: {"hour": 5, "minute": 48}
